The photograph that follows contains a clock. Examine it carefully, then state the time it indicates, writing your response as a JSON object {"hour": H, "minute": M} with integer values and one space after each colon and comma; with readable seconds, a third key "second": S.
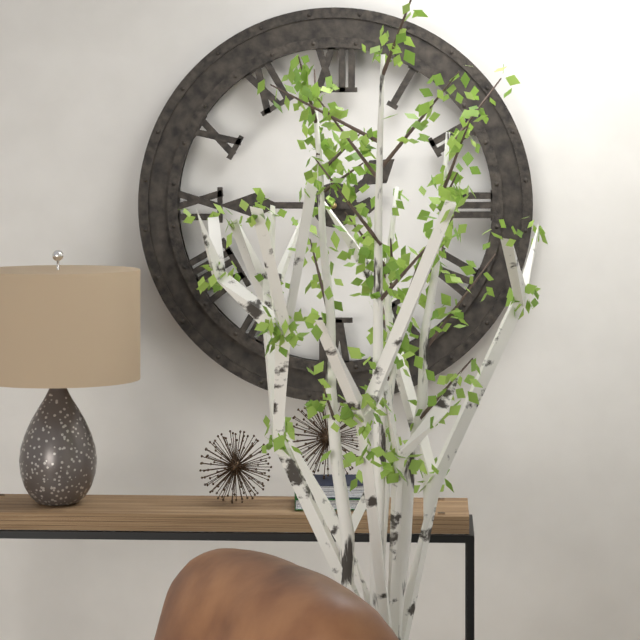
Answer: {"hour": 1, "minute": 45}
